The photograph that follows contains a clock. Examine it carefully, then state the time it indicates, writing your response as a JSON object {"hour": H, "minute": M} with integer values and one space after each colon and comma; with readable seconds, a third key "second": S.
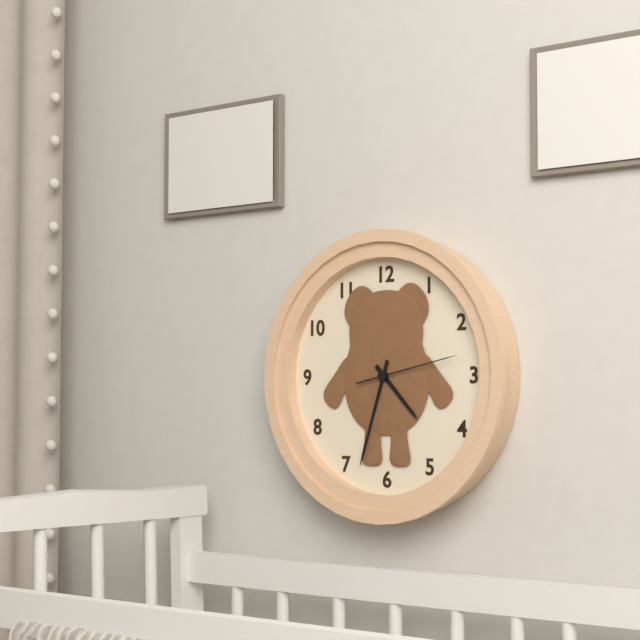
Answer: {"hour": 4, "minute": 33, "second": 13}
